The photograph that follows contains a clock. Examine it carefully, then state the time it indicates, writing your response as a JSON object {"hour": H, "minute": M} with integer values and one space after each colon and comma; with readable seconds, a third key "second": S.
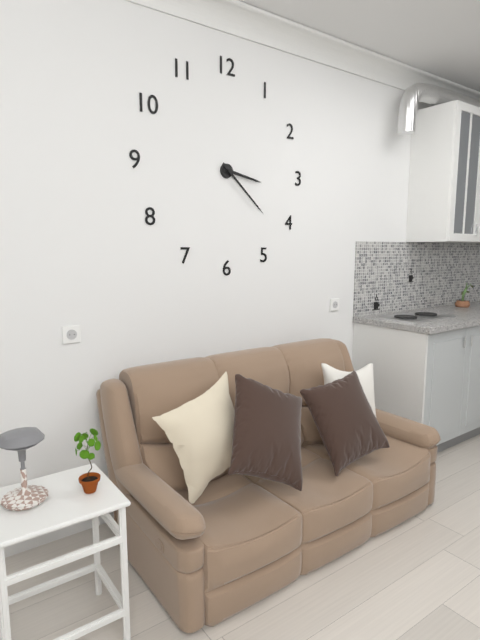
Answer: {"hour": 3, "minute": 22}
